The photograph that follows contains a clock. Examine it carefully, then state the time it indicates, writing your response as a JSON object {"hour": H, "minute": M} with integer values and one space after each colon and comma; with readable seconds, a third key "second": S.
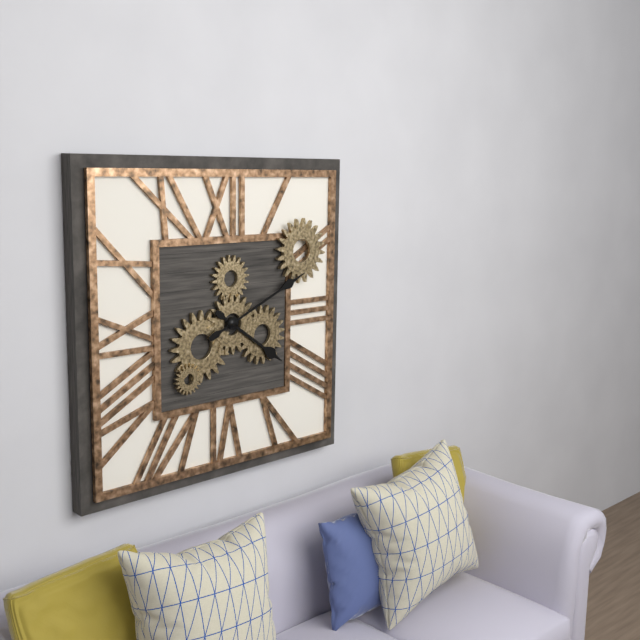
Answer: {"hour": 4, "minute": 11}
